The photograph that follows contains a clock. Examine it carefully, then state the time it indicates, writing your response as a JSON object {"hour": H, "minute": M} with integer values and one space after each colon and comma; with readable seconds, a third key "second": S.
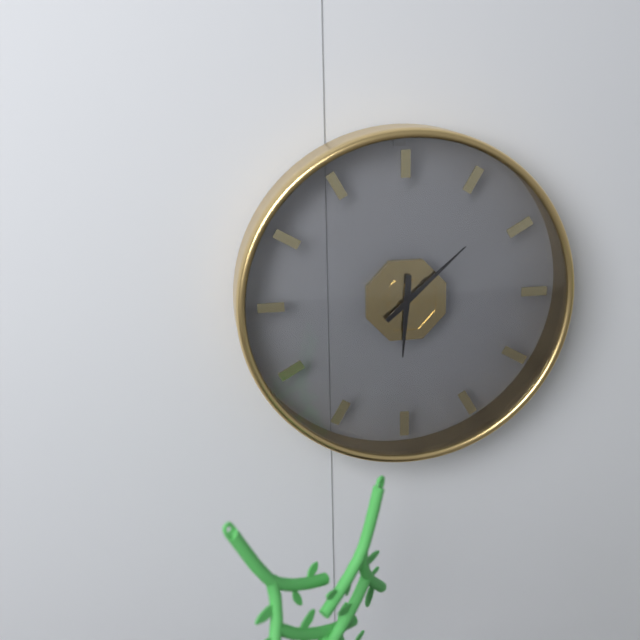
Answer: {"hour": 6, "minute": 8}
